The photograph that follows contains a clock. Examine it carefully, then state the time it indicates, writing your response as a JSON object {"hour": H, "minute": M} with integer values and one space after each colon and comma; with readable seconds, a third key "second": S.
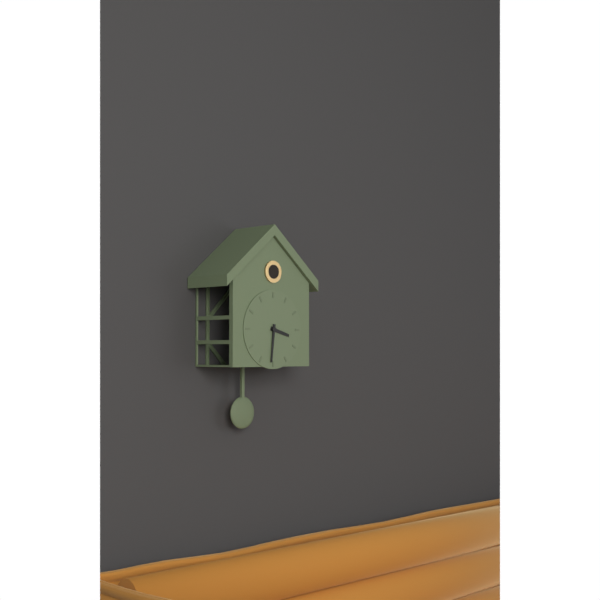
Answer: {"hour": 3, "minute": 31}
